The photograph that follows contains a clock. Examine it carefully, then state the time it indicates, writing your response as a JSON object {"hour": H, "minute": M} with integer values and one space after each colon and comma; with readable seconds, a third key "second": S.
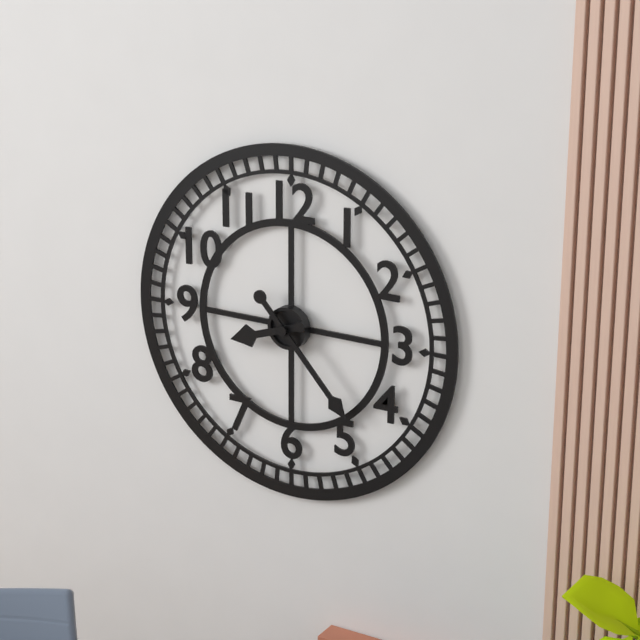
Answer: {"hour": 8, "minute": 23}
